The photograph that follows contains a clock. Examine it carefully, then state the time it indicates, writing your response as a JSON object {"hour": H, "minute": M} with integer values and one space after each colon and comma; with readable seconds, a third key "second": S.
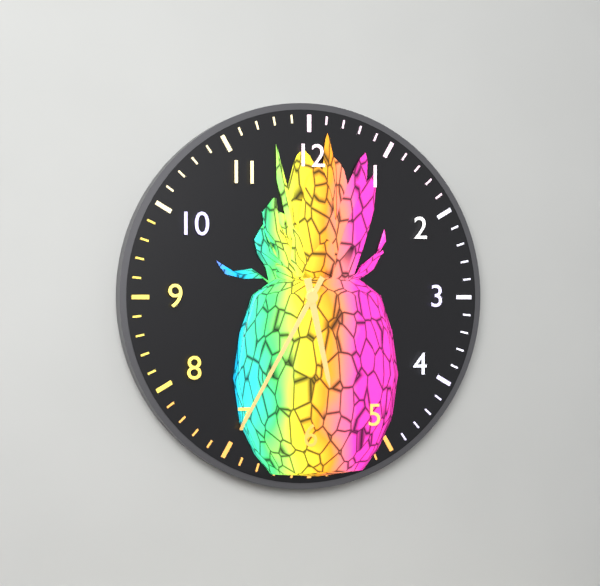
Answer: {"hour": 5, "minute": 35}
